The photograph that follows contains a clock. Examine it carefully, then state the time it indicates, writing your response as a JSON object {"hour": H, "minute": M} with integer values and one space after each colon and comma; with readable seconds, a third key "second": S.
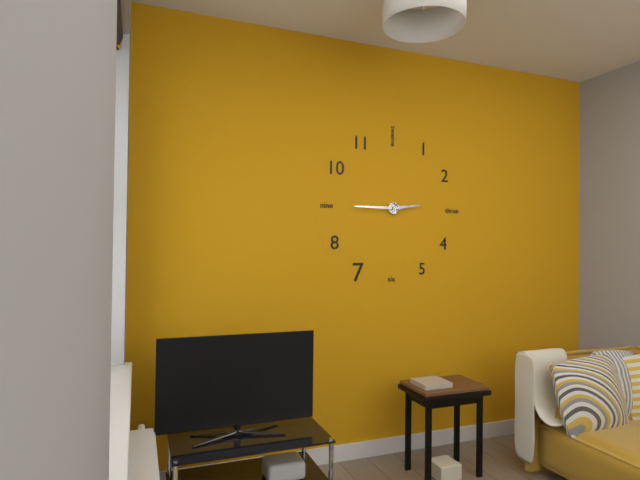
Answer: {"hour": 2, "minute": 45}
